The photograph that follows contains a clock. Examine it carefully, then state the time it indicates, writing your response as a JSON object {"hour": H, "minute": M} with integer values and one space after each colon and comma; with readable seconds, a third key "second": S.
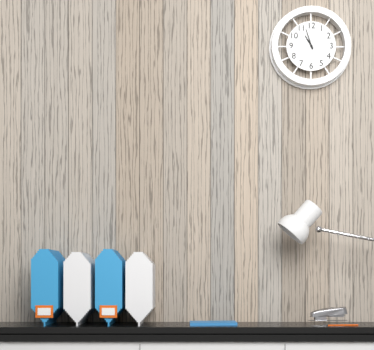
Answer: {"hour": 10, "minute": 57}
